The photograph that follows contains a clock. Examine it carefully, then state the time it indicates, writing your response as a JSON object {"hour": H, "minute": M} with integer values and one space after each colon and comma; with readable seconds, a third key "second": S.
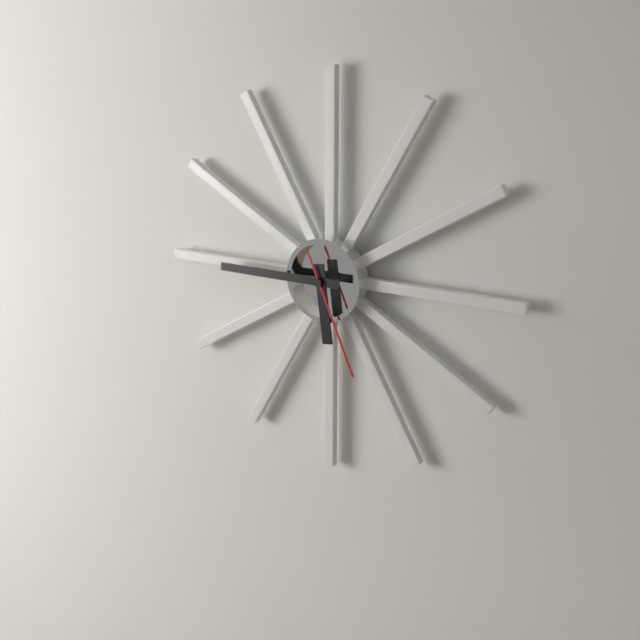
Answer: {"hour": 5, "minute": 45, "second": 26}
